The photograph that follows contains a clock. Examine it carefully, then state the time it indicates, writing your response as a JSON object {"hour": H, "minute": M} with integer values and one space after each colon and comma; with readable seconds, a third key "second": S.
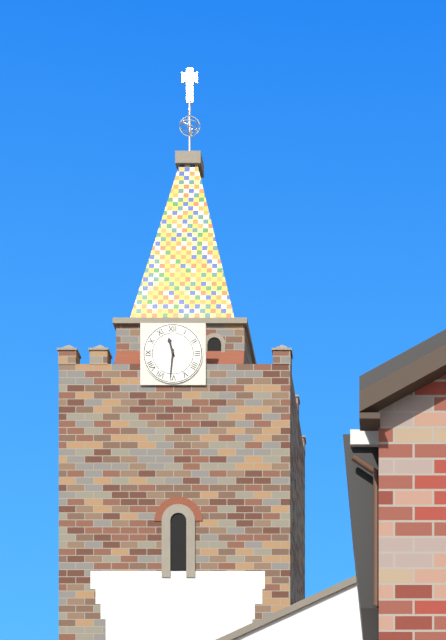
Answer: {"hour": 11, "minute": 31}
